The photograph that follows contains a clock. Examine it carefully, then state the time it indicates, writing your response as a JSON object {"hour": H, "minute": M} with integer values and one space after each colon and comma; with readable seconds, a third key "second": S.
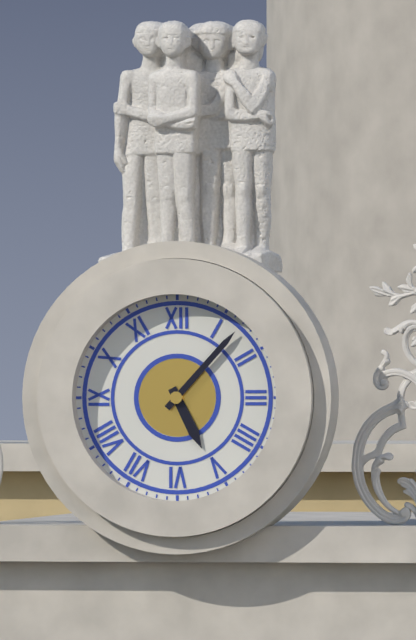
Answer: {"hour": 5, "minute": 7}
